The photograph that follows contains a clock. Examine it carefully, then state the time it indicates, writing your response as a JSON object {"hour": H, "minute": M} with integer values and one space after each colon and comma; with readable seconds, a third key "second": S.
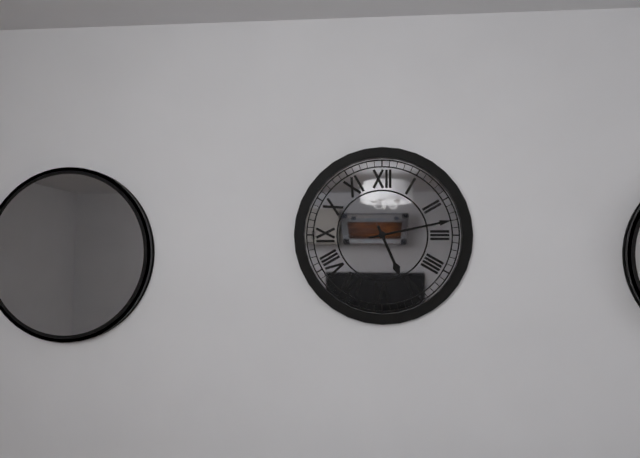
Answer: {"hour": 5, "minute": 13}
